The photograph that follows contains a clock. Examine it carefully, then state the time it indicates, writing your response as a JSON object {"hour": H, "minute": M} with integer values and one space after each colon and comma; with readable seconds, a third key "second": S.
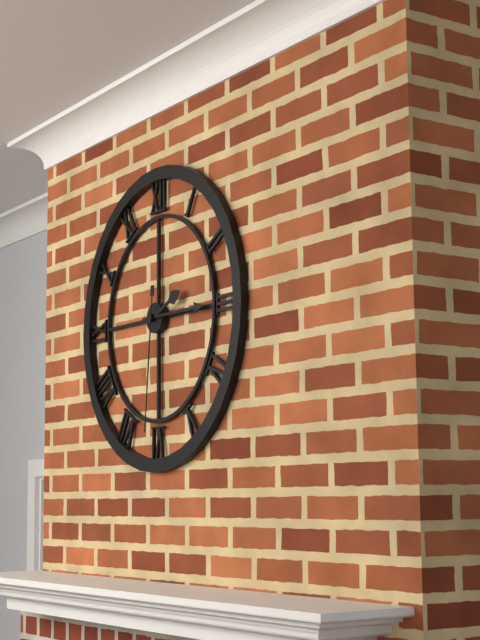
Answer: {"hour": 2, "minute": 15, "second": 31}
